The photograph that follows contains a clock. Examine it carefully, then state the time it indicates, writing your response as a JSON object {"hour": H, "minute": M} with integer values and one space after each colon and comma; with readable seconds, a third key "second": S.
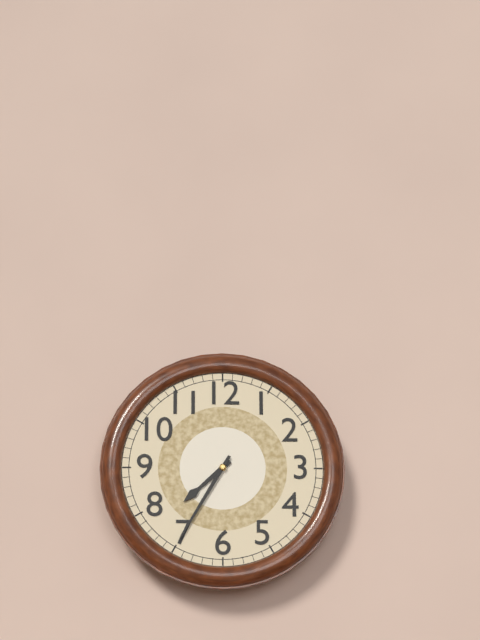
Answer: {"hour": 7, "minute": 35}
